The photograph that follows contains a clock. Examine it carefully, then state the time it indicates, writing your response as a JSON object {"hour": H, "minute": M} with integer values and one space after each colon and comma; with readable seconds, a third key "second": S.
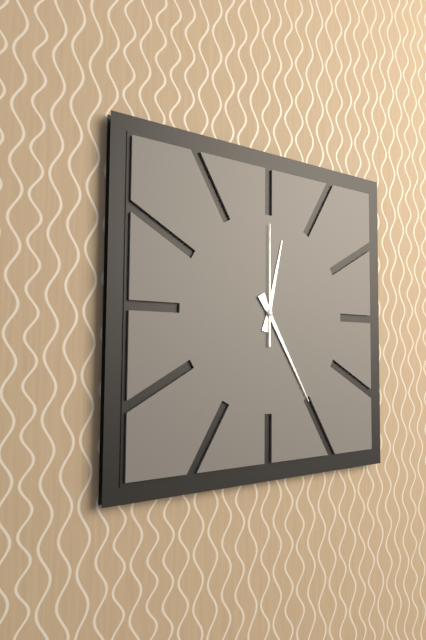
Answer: {"hour": 12, "minute": 25, "second": 0}
